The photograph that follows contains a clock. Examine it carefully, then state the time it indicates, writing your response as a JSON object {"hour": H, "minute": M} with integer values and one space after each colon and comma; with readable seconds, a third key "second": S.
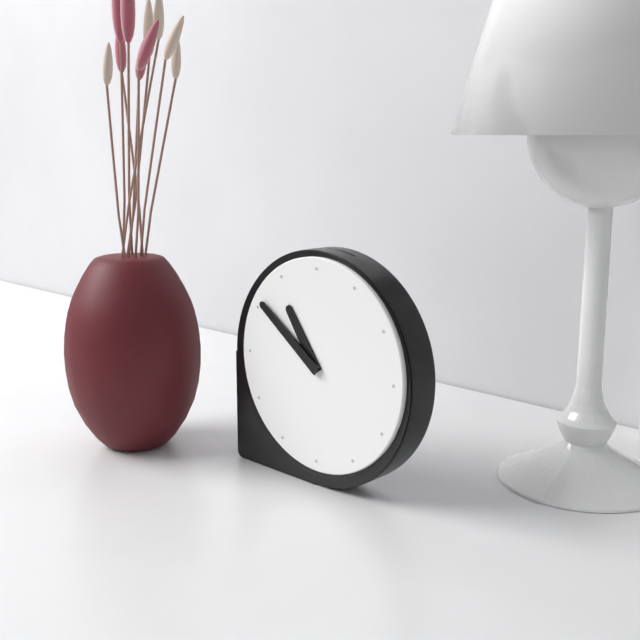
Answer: {"hour": 10, "minute": 51}
